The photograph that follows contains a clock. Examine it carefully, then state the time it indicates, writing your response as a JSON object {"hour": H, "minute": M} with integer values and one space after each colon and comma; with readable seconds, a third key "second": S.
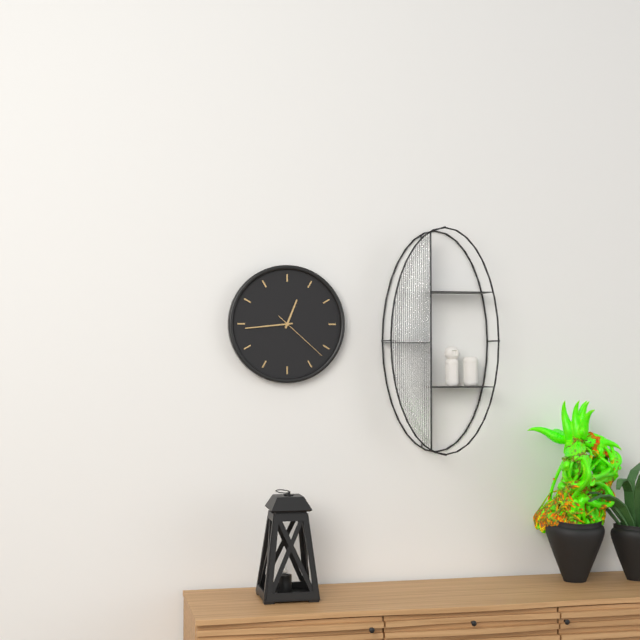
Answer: {"hour": 12, "minute": 44, "second": 22}
